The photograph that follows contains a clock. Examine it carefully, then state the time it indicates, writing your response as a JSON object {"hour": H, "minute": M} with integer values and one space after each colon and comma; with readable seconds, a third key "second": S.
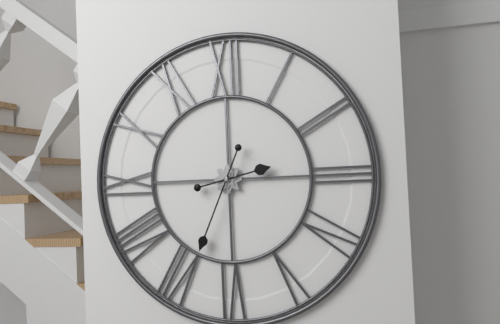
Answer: {"hour": 2, "minute": 34}
